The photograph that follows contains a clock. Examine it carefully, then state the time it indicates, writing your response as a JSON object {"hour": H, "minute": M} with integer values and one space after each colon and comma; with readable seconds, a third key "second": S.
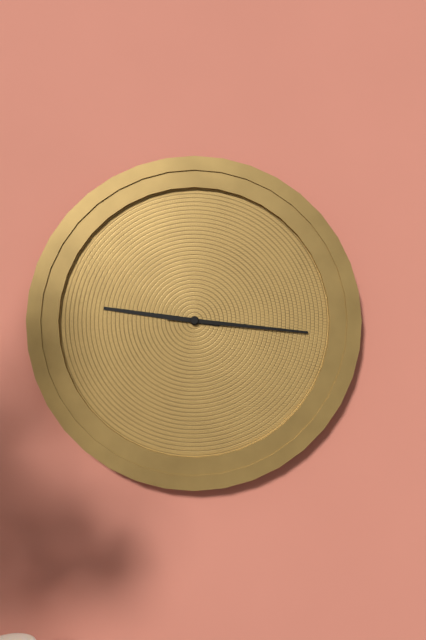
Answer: {"hour": 9, "minute": 16}
